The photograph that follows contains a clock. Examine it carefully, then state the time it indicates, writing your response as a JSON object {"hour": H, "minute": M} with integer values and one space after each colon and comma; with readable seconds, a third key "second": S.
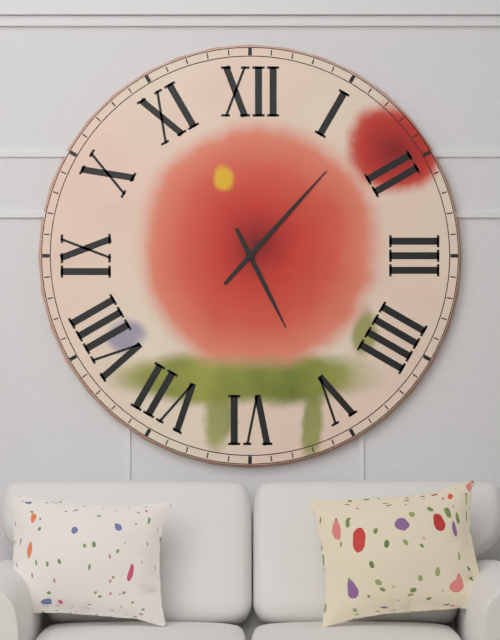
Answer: {"hour": 5, "minute": 7}
